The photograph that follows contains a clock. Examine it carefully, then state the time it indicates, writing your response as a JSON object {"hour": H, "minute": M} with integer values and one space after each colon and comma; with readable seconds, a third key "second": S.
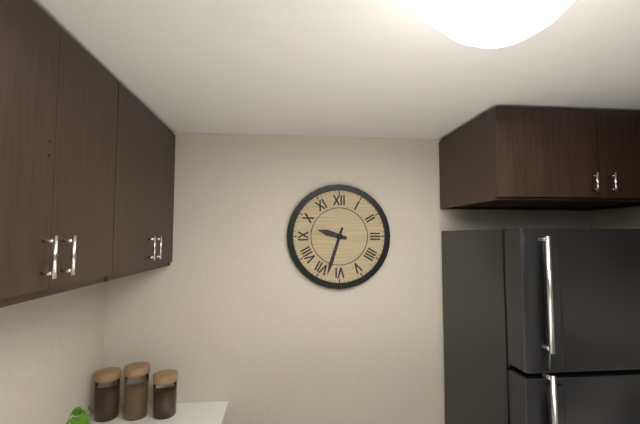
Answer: {"hour": 9, "minute": 33}
